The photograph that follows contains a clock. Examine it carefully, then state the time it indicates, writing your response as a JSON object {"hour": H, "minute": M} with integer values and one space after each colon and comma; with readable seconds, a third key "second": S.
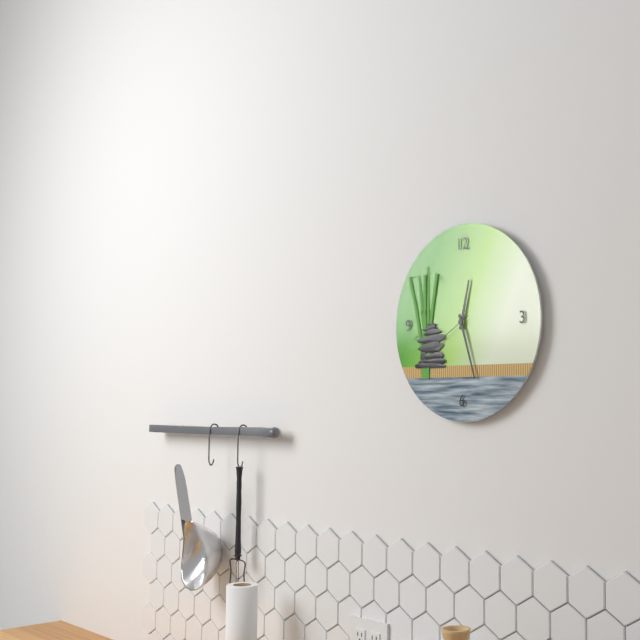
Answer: {"hour": 12, "minute": 27, "second": 40}
